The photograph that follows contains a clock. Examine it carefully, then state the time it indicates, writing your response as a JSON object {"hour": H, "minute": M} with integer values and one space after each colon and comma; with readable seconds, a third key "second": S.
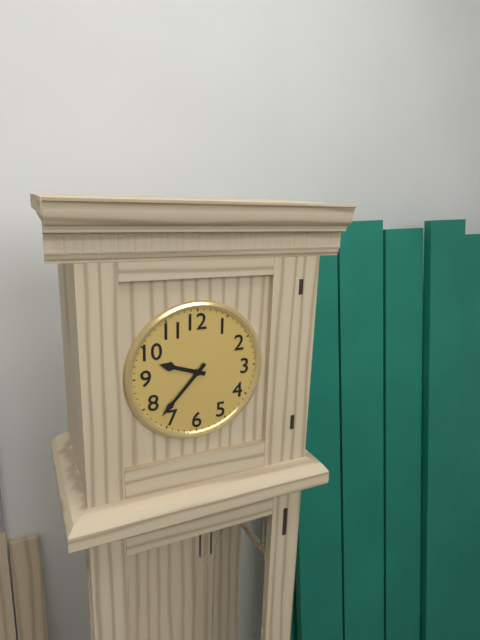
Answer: {"hour": 9, "minute": 37}
